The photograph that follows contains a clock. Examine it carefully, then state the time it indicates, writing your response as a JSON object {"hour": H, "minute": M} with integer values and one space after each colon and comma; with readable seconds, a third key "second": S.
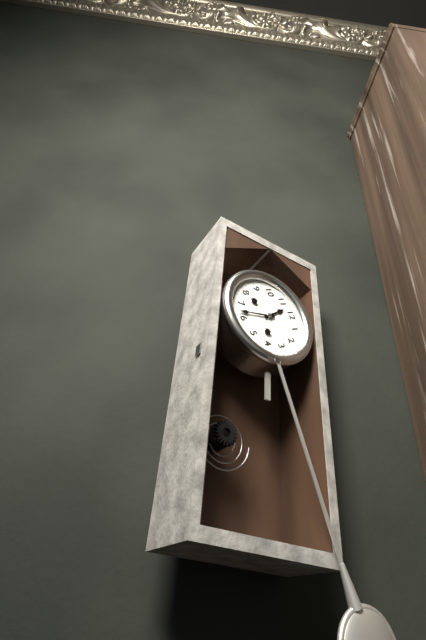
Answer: {"hour": 11, "minute": 32}
